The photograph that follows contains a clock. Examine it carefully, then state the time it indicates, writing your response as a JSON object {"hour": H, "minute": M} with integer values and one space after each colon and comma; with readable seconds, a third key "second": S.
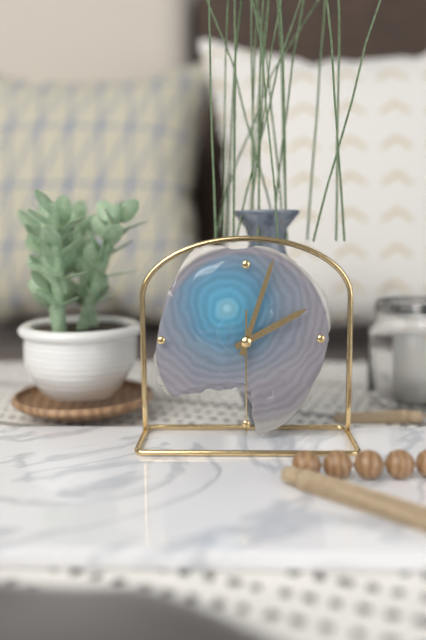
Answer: {"hour": 2, "minute": 3, "second": 30}
